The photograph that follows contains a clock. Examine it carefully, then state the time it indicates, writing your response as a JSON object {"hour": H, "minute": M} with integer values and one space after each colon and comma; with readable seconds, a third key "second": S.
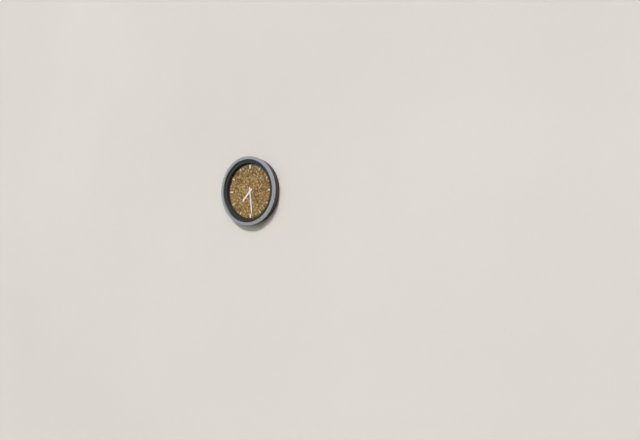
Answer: {"hour": 7, "minute": 29}
